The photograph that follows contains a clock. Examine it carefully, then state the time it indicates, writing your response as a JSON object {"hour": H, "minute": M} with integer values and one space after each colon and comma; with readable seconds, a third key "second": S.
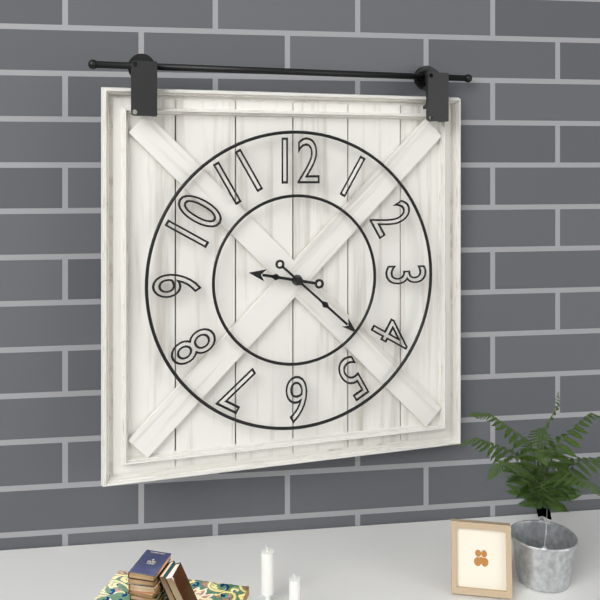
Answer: {"hour": 9, "minute": 22}
